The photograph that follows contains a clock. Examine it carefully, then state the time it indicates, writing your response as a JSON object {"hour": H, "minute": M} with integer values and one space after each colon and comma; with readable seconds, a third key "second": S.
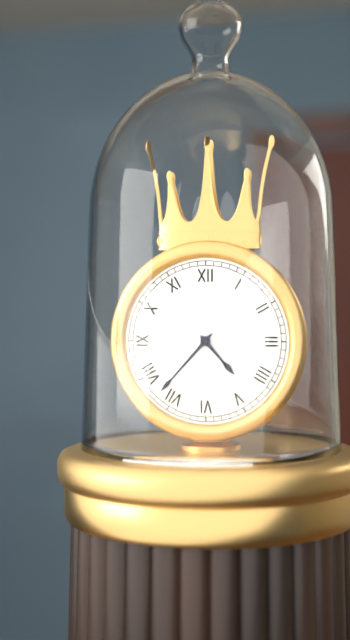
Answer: {"hour": 4, "minute": 37}
